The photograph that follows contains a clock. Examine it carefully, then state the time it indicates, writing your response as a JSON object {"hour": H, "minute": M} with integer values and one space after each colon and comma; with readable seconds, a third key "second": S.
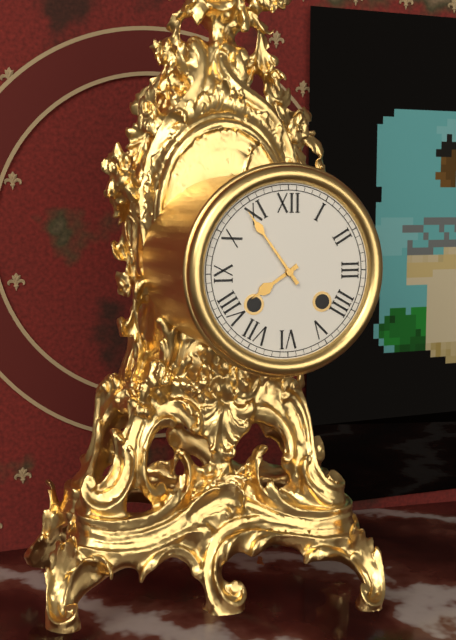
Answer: {"hour": 7, "minute": 54}
